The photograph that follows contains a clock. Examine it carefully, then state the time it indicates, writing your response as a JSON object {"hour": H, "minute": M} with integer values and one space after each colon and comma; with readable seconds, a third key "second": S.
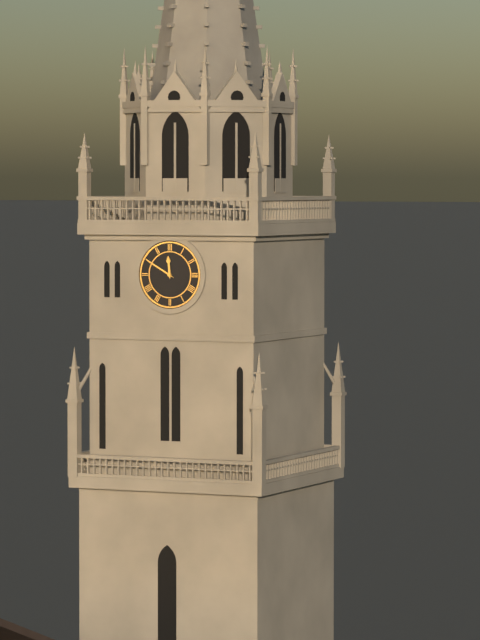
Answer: {"hour": 11, "minute": 50}
